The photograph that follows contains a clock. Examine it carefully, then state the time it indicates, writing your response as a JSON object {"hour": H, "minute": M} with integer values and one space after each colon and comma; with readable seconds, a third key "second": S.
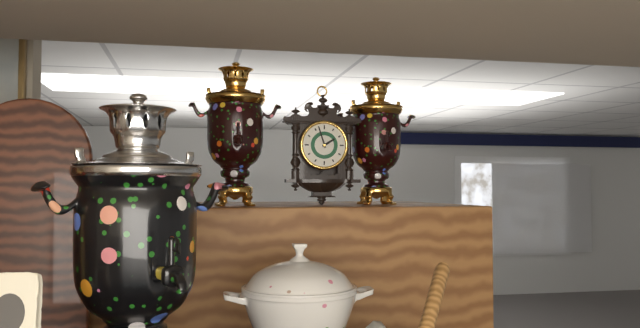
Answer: {"hour": 1, "minute": 57}
